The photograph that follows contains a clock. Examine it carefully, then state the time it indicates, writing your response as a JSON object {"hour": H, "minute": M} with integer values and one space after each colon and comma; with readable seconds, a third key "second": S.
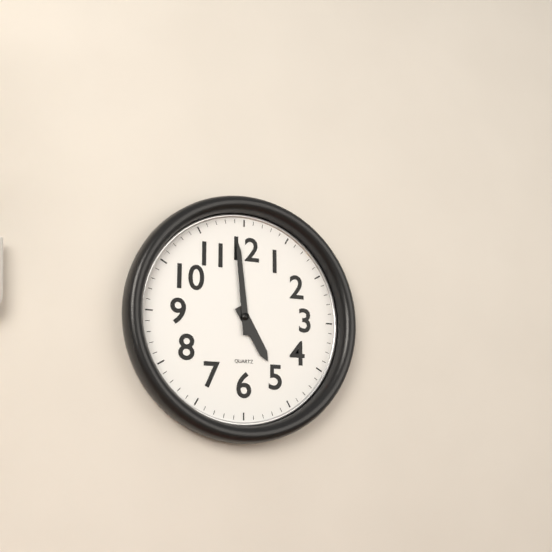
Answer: {"hour": 4, "minute": 59}
